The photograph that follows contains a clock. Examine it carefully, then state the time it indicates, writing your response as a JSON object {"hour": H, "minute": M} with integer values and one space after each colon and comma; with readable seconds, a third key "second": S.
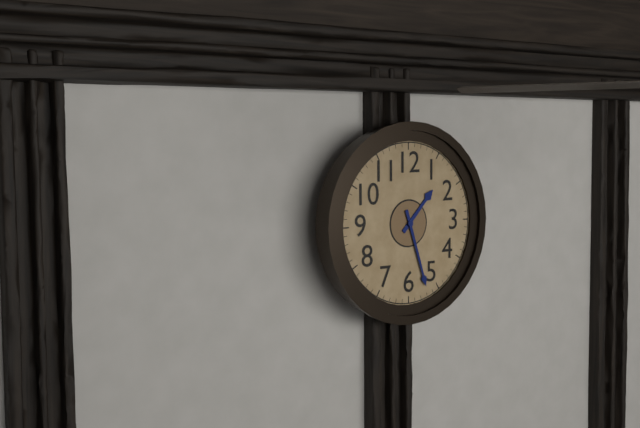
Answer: {"hour": 1, "minute": 27}
